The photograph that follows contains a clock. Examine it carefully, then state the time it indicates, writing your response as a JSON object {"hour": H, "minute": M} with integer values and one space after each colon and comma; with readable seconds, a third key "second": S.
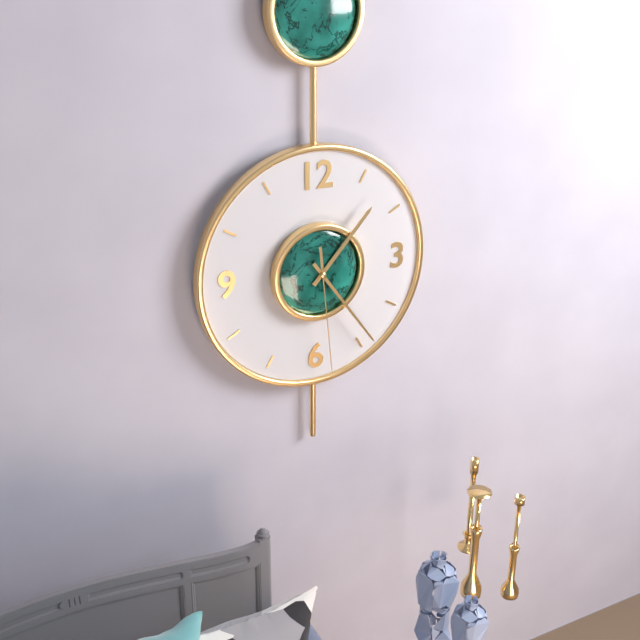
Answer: {"hour": 1, "minute": 24, "second": 29}
